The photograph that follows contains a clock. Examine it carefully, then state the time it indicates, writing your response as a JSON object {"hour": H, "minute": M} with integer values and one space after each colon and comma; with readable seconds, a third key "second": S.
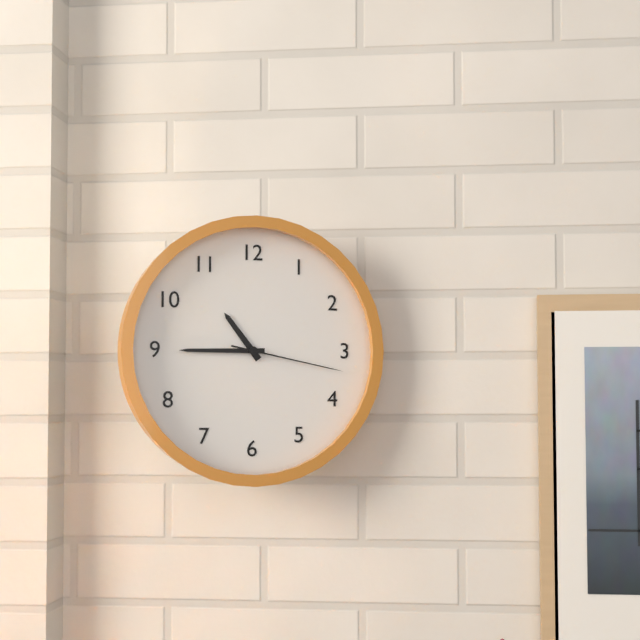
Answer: {"hour": 10, "minute": 45, "second": 17}
